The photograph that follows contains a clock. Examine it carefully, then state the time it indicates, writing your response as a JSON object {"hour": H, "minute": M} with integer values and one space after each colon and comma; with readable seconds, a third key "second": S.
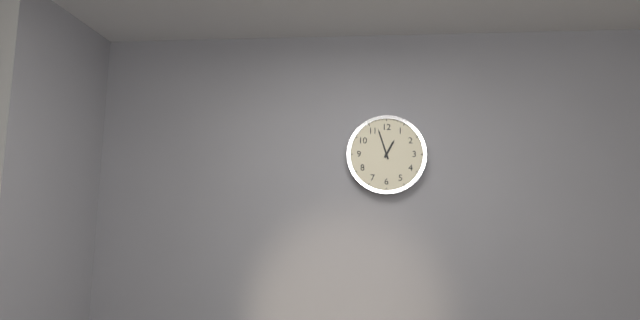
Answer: {"hour": 12, "minute": 57}
